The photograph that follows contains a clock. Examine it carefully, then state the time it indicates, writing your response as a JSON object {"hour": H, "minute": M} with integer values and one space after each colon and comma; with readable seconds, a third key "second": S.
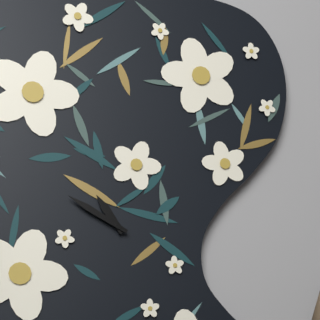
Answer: {"hour": 10, "minute": 50}
